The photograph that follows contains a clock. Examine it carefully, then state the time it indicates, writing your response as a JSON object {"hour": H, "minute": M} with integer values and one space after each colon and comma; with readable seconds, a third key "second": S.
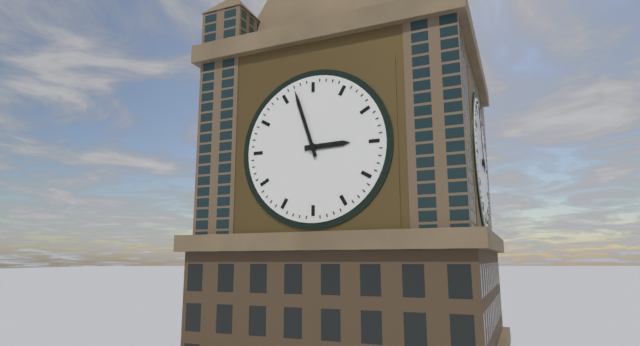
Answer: {"hour": 2, "minute": 57}
